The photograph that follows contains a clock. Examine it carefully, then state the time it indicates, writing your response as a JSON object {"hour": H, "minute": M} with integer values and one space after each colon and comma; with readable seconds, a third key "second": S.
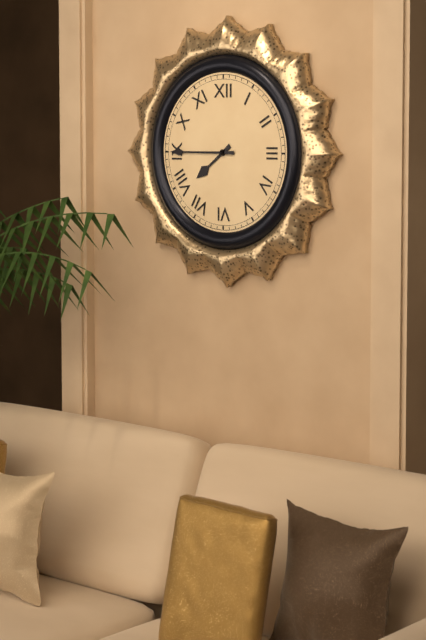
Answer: {"hour": 7, "minute": 45}
